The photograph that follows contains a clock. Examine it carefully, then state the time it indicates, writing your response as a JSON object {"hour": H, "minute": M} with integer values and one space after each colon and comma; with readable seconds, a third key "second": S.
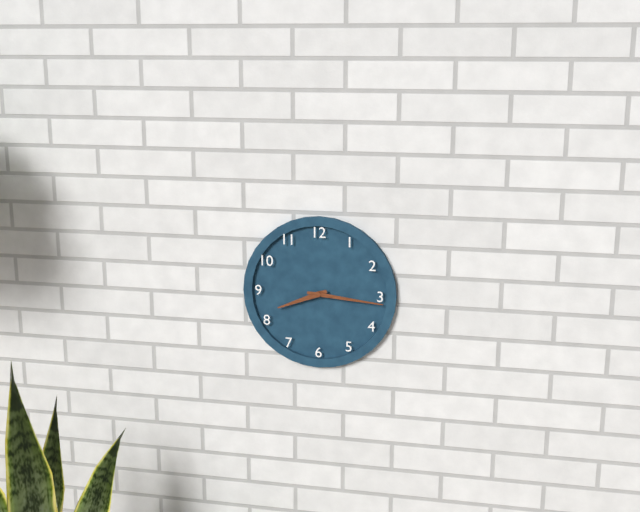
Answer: {"hour": 8, "minute": 16}
